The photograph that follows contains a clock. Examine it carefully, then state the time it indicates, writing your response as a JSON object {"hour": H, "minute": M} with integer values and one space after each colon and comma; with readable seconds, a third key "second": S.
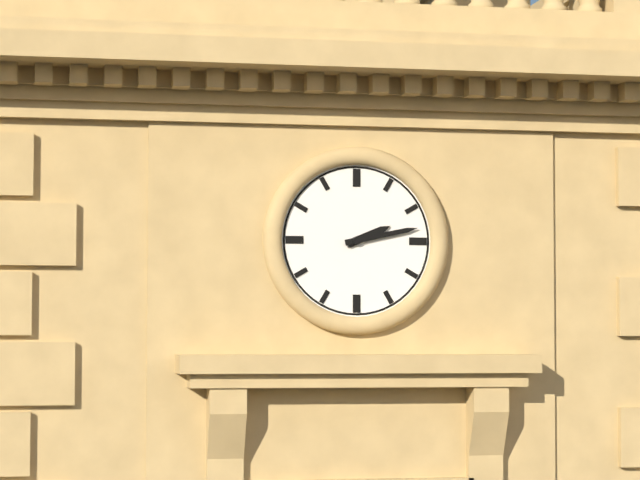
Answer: {"hour": 2, "minute": 13}
